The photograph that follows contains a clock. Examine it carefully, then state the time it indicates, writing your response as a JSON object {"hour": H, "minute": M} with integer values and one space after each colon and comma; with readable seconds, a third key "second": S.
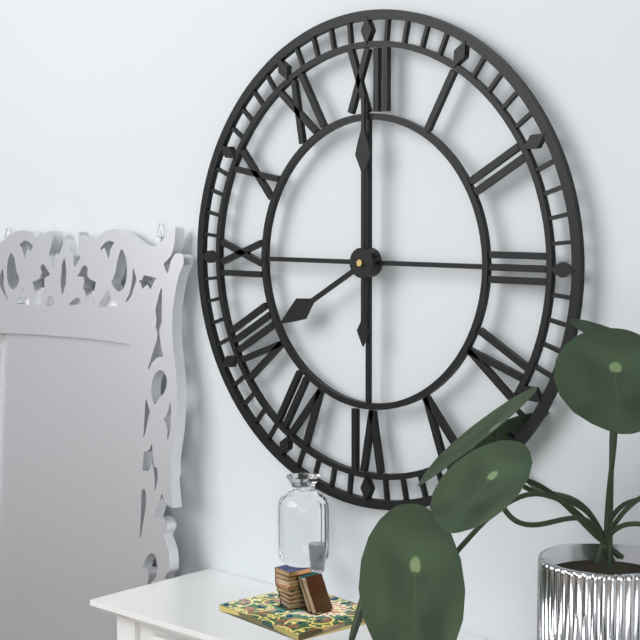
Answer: {"hour": 8, "minute": 0}
